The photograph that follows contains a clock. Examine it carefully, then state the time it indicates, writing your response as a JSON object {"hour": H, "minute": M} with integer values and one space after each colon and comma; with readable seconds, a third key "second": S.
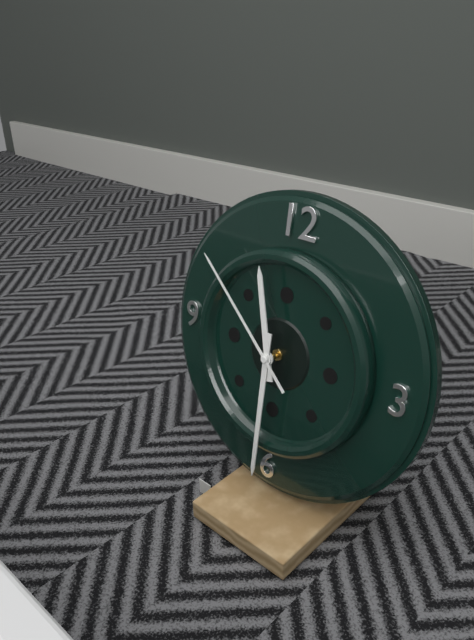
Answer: {"hour": 11, "minute": 30, "second": 52}
